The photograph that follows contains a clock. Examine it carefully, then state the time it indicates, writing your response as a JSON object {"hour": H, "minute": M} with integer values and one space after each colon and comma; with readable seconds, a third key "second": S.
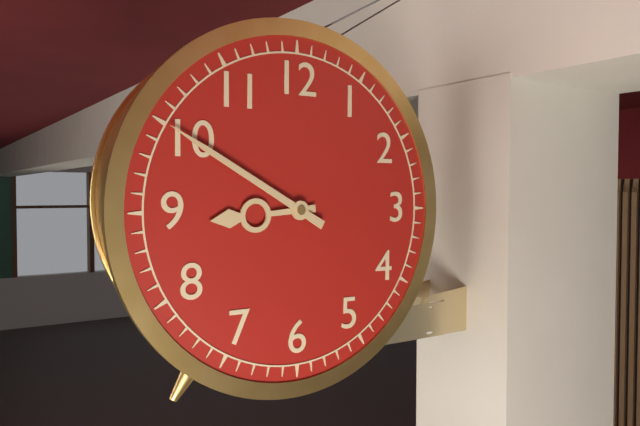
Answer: {"hour": 8, "minute": 50}
